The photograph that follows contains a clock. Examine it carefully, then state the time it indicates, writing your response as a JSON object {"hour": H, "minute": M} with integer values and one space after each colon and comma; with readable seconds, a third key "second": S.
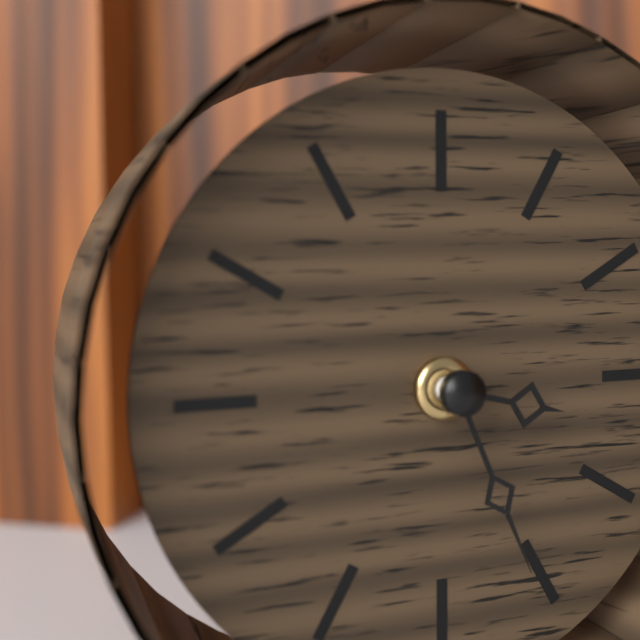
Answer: {"hour": 3, "minute": 26}
